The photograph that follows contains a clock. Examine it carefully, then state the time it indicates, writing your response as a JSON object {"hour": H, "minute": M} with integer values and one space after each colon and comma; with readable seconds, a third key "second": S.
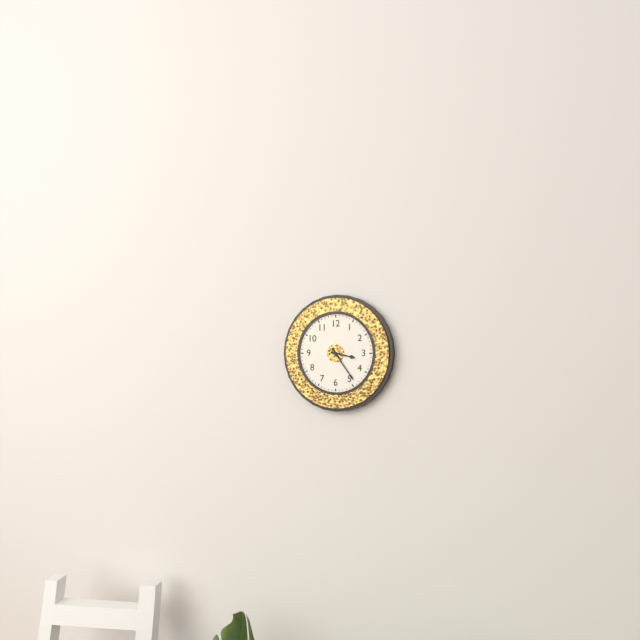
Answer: {"hour": 3, "minute": 24}
